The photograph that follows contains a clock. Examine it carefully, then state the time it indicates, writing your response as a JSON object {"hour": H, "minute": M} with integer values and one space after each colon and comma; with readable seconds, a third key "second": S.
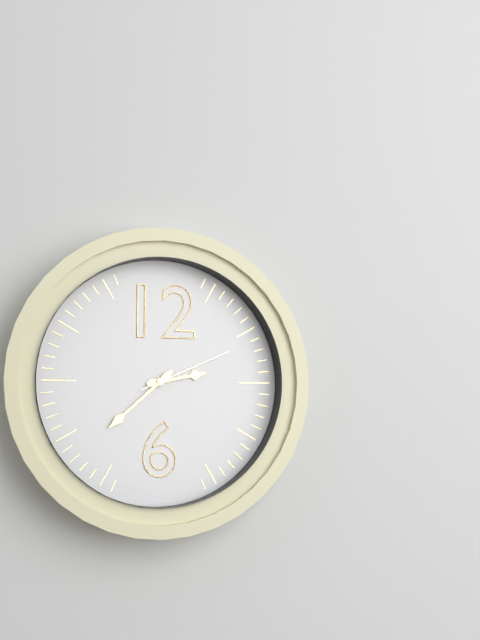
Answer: {"hour": 2, "minute": 38, "second": 11}
